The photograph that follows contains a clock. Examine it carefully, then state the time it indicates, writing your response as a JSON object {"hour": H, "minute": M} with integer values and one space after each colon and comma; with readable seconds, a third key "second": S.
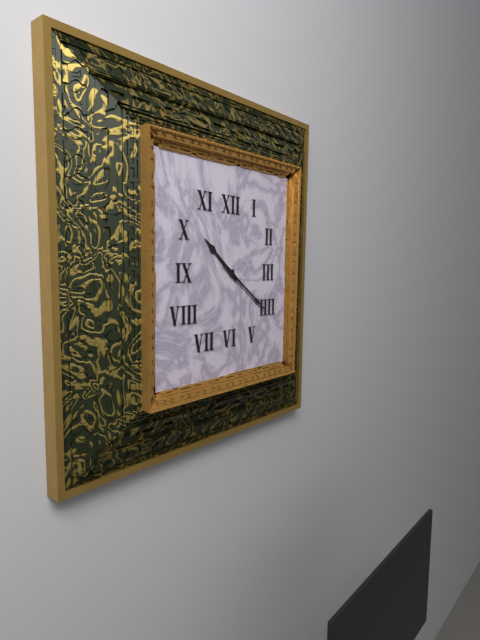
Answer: {"hour": 10, "minute": 21}
